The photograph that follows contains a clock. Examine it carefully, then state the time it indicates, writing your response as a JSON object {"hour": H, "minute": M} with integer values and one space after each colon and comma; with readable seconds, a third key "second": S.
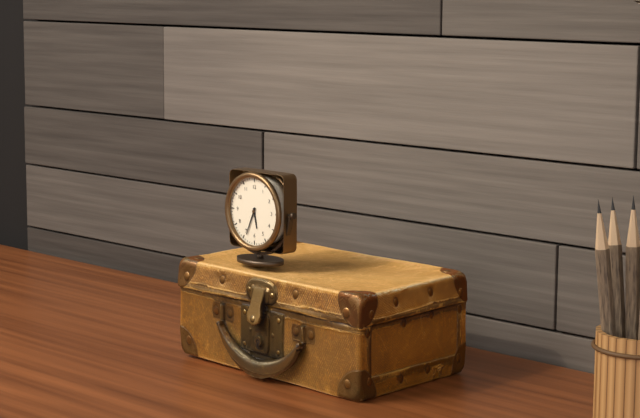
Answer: {"hour": 5, "minute": 34}
